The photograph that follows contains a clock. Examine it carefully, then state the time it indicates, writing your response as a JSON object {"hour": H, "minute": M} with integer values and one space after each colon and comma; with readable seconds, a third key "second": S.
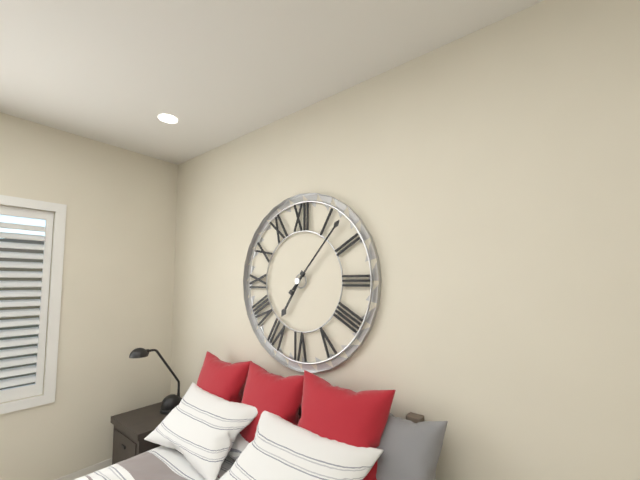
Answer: {"hour": 7, "minute": 7}
